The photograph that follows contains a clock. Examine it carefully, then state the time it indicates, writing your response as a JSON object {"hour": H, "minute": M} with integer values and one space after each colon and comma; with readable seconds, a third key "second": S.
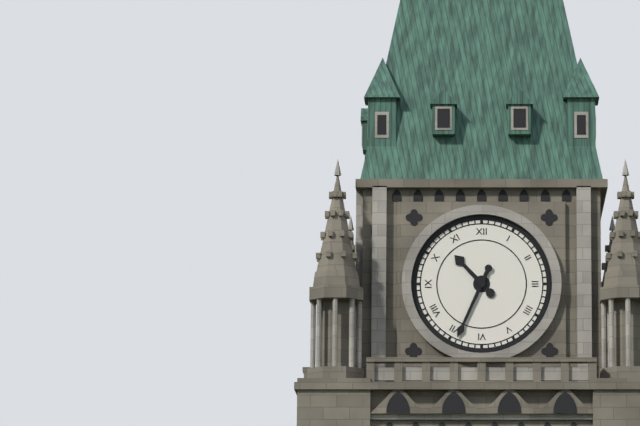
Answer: {"hour": 10, "minute": 34}
